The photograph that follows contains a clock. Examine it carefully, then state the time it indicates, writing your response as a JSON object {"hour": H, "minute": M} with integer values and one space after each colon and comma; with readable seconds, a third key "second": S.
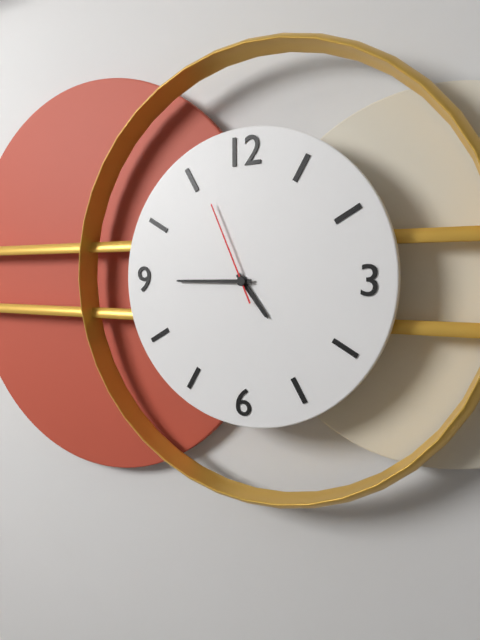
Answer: {"hour": 4, "minute": 45, "second": 56}
